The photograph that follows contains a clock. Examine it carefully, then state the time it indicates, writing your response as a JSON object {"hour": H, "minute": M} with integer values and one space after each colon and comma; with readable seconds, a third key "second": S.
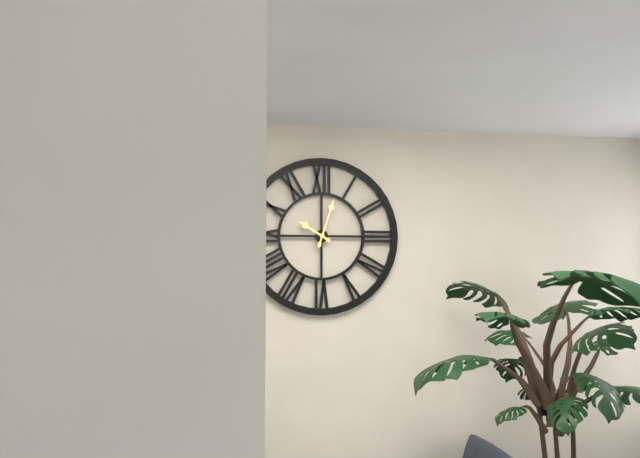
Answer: {"hour": 10, "minute": 3}
